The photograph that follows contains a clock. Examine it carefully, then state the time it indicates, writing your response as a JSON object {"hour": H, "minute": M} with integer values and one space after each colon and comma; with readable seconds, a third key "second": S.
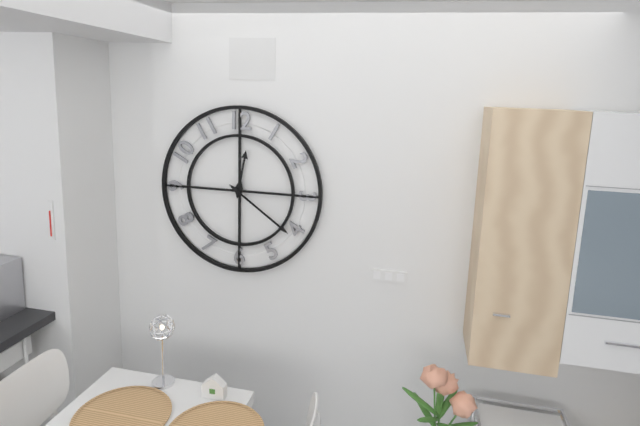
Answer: {"hour": 12, "minute": 21}
